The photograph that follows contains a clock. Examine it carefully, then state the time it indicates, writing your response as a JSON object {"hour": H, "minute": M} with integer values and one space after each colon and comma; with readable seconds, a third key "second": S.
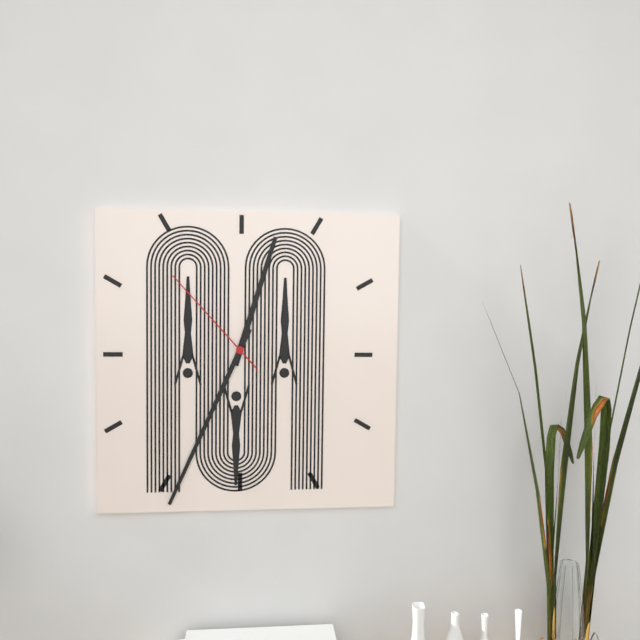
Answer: {"hour": 12, "minute": 34, "second": 53}
